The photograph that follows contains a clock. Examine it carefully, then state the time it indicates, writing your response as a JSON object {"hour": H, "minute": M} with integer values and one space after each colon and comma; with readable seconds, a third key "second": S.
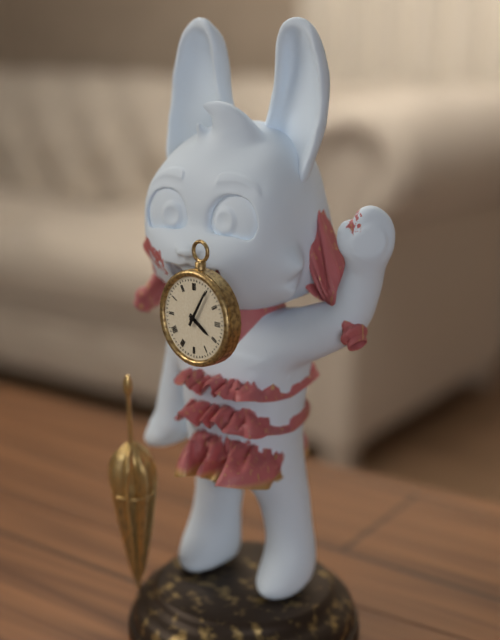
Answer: {"hour": 4, "minute": 5}
